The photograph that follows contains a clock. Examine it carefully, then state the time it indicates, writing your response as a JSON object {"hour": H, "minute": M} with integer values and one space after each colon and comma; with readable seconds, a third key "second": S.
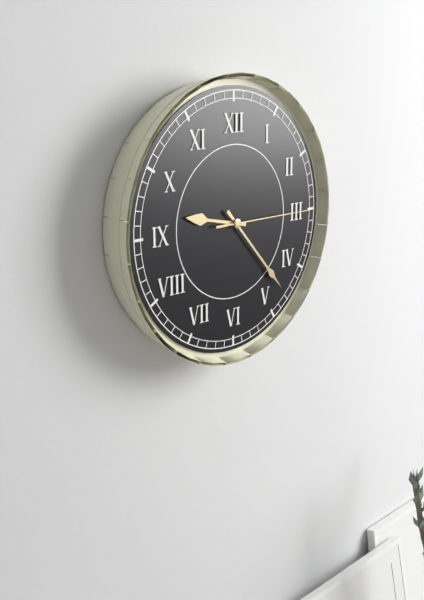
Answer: {"hour": 9, "minute": 23, "second": 15}
